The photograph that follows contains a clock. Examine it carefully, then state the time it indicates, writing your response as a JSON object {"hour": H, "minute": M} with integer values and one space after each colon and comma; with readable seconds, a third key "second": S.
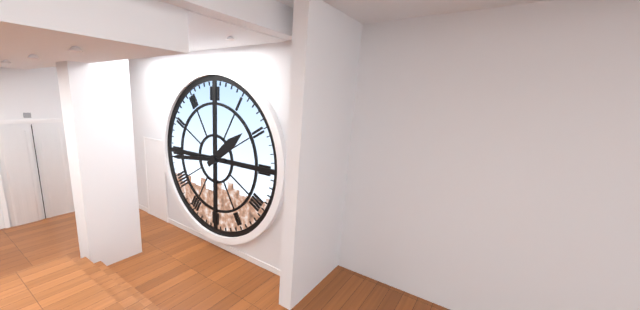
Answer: {"hour": 1, "minute": 44}
